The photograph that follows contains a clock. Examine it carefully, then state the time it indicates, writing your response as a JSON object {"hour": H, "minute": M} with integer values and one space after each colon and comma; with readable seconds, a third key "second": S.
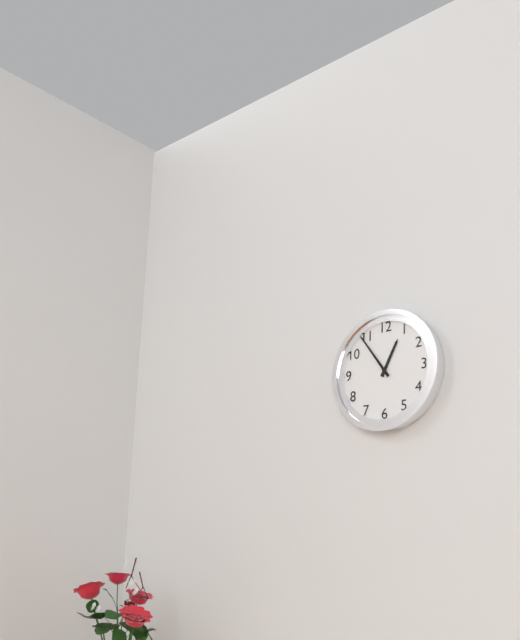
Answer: {"hour": 12, "minute": 54}
